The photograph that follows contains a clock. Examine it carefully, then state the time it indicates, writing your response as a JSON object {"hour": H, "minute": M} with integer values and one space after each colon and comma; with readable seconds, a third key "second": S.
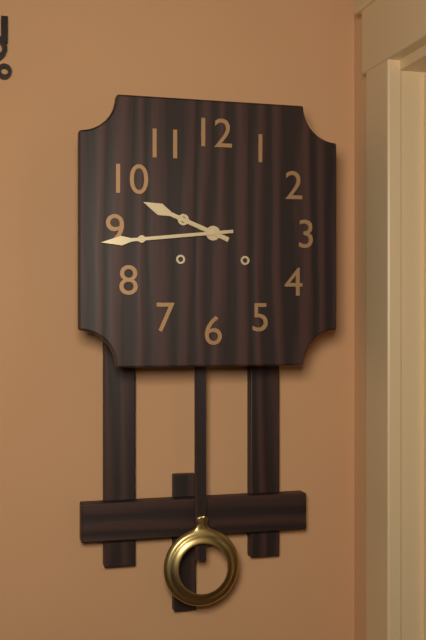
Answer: {"hour": 9, "minute": 44}
